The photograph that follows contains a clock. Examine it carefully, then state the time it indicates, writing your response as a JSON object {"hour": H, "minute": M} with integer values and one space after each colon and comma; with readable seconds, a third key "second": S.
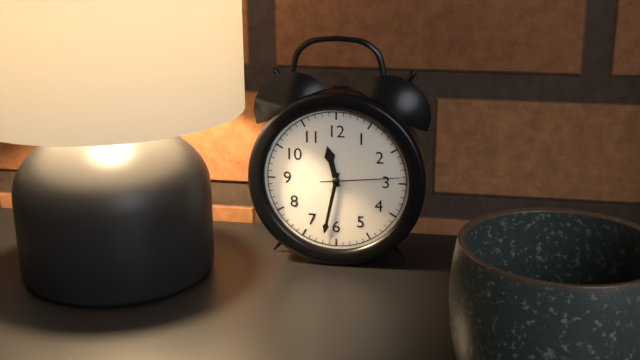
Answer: {"hour": 11, "minute": 32, "second": 14}
